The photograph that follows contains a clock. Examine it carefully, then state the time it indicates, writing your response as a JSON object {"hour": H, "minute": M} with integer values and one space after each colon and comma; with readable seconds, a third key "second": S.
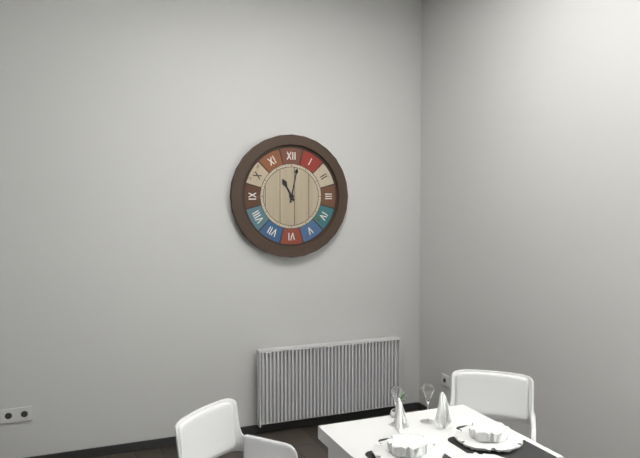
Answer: {"hour": 11, "minute": 2}
